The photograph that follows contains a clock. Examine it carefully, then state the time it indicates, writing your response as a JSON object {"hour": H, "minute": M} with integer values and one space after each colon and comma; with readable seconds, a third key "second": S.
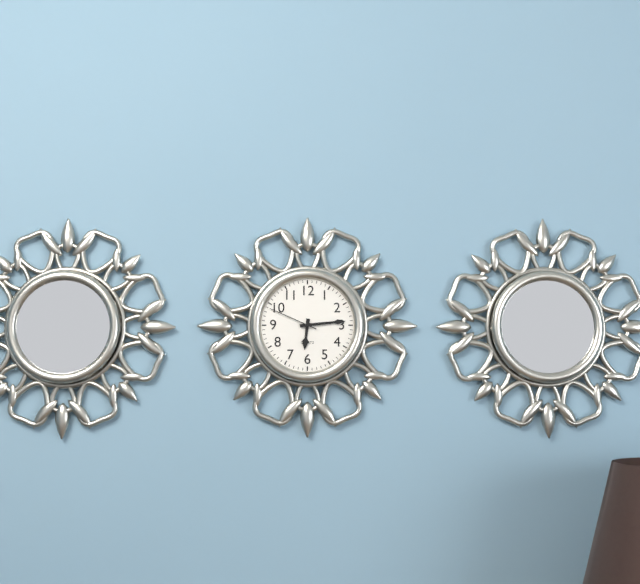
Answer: {"hour": 6, "minute": 14, "second": 49}
